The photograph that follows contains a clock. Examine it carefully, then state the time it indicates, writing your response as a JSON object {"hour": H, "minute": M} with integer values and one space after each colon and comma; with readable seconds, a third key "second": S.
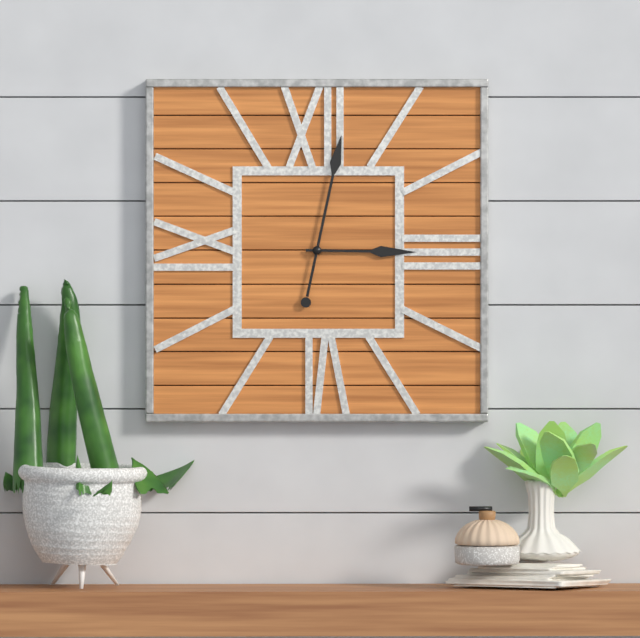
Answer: {"hour": 3, "minute": 2}
